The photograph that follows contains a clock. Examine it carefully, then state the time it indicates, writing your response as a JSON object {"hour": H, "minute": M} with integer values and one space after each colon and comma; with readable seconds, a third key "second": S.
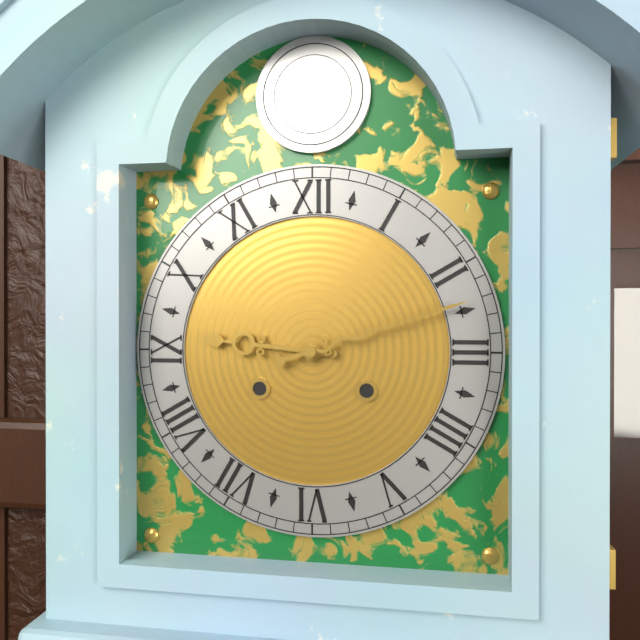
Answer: {"hour": 9, "minute": 12}
